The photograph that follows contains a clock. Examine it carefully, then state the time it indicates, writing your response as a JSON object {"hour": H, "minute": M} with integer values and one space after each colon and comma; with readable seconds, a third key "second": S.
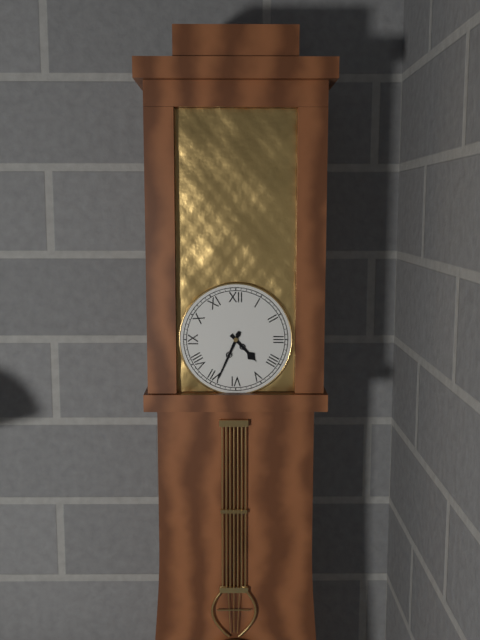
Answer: {"hour": 4, "minute": 34}
